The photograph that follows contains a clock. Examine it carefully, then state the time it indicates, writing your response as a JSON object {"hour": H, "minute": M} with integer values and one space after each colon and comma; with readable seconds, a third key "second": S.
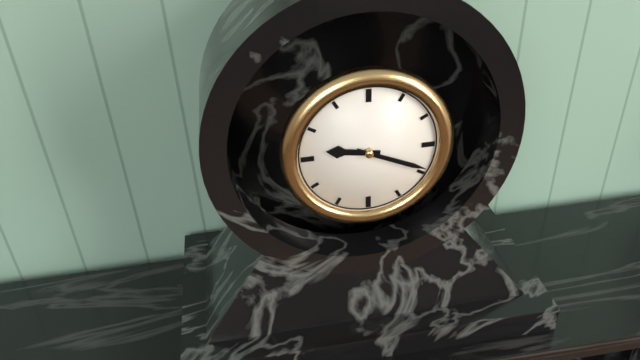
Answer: {"hour": 9, "minute": 19}
